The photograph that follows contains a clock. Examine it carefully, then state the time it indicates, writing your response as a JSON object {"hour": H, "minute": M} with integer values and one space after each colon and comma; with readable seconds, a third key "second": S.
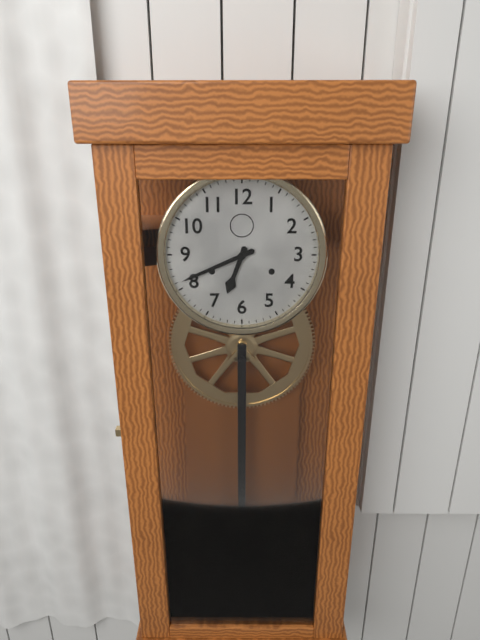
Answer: {"hour": 6, "minute": 41}
